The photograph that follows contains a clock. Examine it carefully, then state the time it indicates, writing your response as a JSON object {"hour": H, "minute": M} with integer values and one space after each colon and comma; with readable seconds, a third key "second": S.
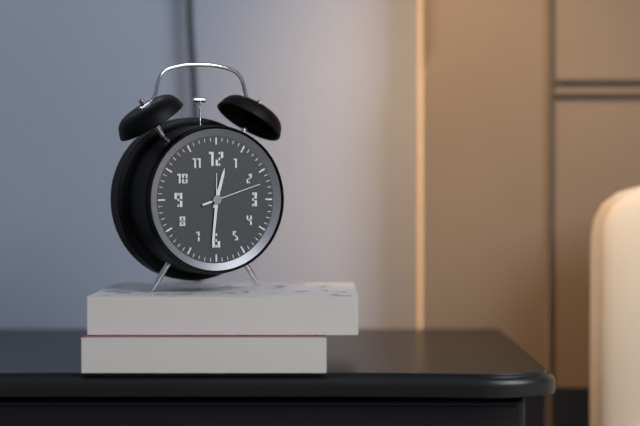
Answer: {"hour": 12, "minute": 31, "second": 12}
